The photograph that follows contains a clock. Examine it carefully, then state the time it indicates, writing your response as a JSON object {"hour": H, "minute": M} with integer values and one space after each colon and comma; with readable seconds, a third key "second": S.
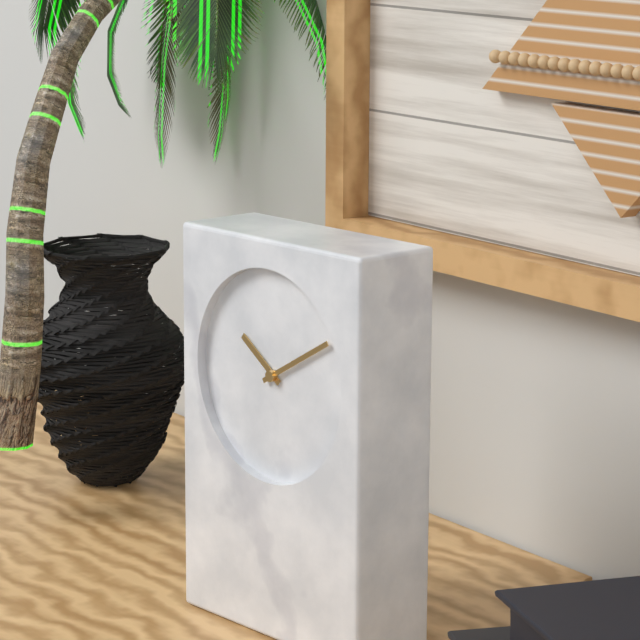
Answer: {"hour": 10, "minute": 10}
